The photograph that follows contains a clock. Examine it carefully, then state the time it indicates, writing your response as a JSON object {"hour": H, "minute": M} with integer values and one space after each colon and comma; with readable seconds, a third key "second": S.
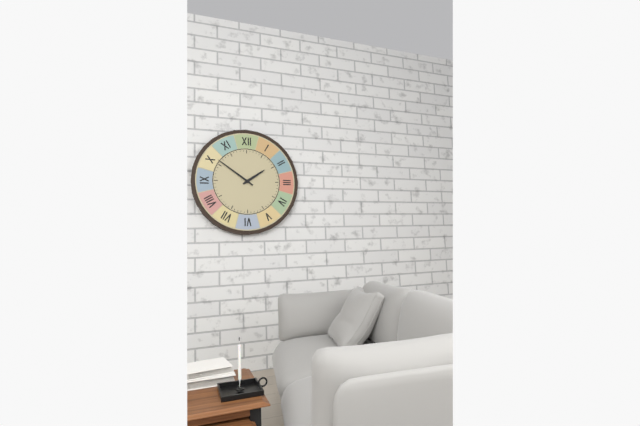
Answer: {"hour": 1, "minute": 51}
